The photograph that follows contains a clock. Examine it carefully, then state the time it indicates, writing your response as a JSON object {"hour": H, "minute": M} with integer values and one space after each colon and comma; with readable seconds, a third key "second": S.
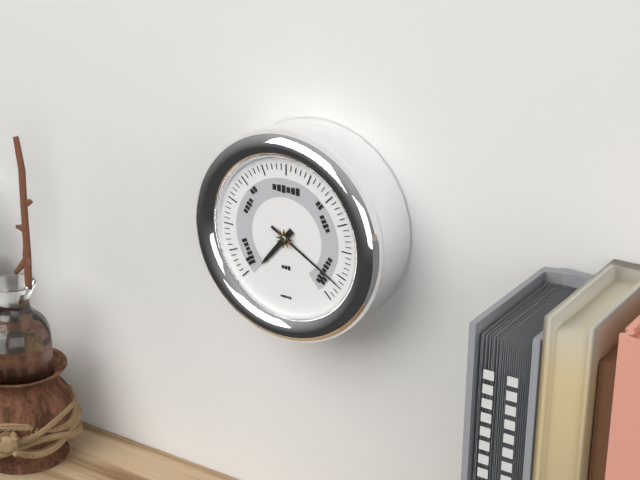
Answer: {"hour": 7, "minute": 20}
